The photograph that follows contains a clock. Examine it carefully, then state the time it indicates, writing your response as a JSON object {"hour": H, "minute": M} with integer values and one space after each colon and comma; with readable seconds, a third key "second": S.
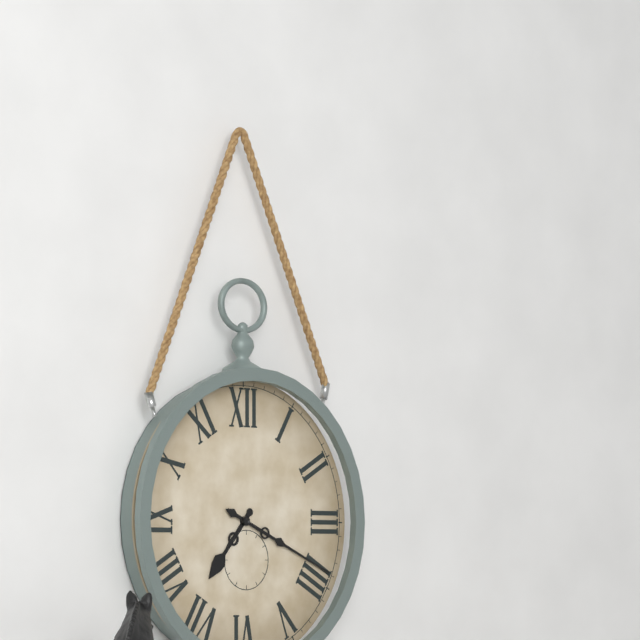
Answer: {"hour": 7, "minute": 19}
